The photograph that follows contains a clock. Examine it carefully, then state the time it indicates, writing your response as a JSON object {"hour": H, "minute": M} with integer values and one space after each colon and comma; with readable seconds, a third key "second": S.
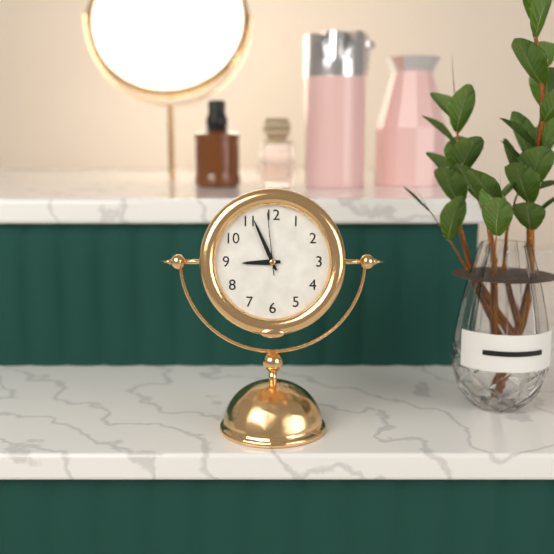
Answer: {"hour": 8, "minute": 56, "second": 59}
